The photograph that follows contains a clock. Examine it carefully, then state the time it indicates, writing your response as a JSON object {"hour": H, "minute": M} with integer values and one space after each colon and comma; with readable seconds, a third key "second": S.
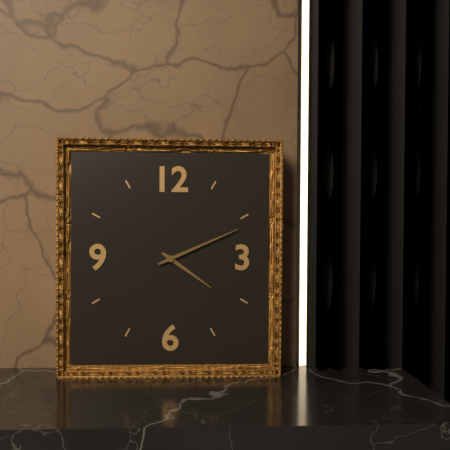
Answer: {"hour": 4, "minute": 11}
